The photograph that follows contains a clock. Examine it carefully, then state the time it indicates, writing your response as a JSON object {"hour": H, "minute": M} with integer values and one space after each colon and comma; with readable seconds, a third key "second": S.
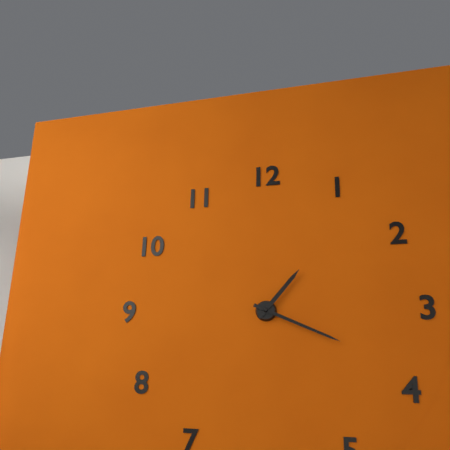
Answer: {"hour": 1, "minute": 19}
